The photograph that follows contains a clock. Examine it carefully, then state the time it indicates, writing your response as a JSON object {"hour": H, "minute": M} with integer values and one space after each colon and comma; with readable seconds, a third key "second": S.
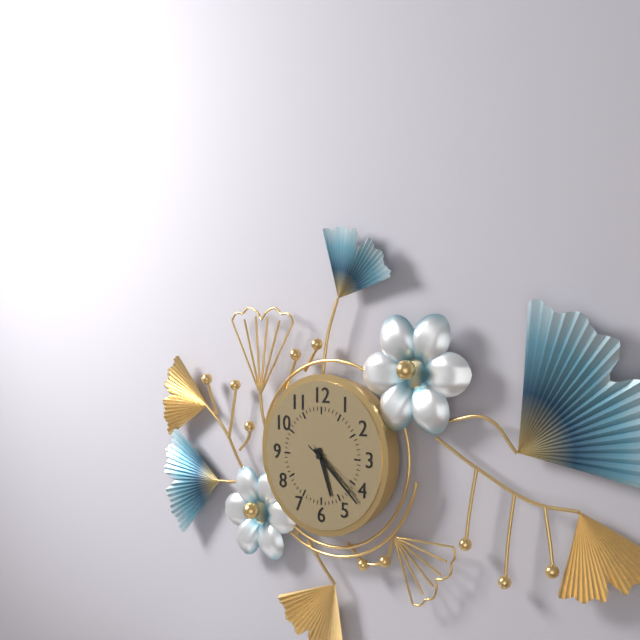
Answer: {"hour": 5, "minute": 22, "second": 21}
